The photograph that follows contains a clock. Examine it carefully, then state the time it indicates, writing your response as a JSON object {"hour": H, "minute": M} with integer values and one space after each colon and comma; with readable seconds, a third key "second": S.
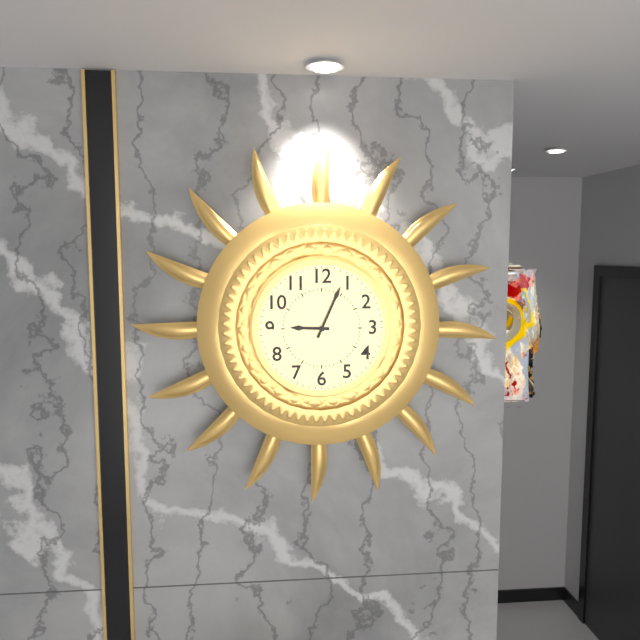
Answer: {"hour": 9, "minute": 4}
